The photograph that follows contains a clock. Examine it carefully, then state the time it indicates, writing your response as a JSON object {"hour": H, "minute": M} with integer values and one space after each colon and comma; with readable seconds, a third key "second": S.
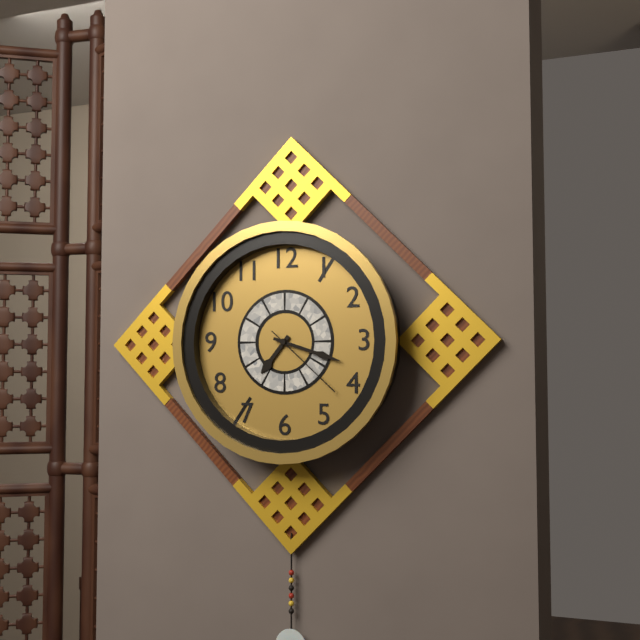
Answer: {"hour": 7, "minute": 18, "second": 22}
